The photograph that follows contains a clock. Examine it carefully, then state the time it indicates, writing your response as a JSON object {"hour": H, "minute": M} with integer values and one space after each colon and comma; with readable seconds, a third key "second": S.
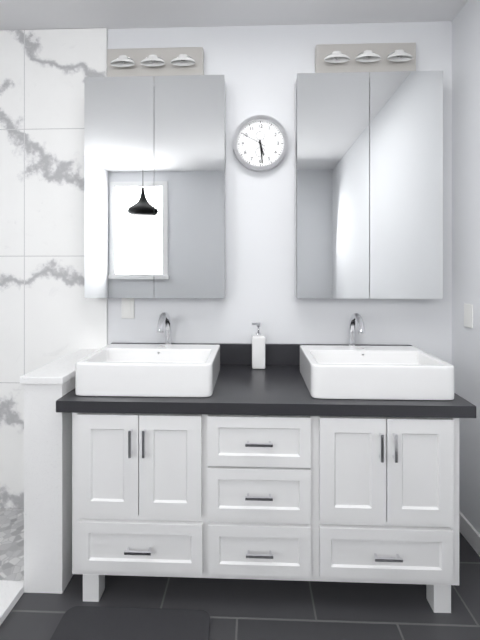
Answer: {"hour": 5, "minute": 29}
